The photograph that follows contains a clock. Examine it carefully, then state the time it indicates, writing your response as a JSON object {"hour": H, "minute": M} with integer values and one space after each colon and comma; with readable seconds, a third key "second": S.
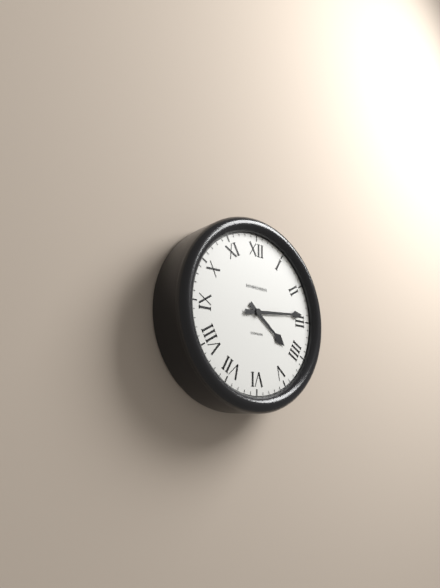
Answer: {"hour": 4, "minute": 14}
